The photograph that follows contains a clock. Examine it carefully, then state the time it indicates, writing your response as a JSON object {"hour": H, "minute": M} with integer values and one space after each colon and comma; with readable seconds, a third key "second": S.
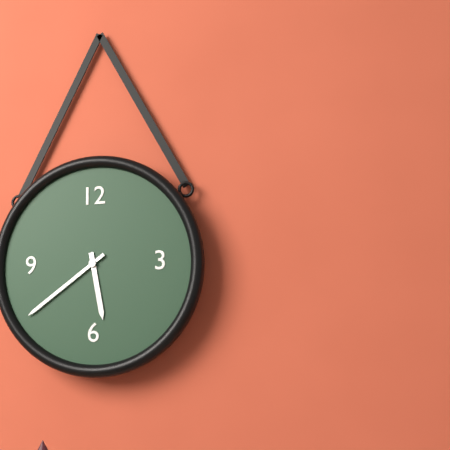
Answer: {"hour": 5, "minute": 39}
